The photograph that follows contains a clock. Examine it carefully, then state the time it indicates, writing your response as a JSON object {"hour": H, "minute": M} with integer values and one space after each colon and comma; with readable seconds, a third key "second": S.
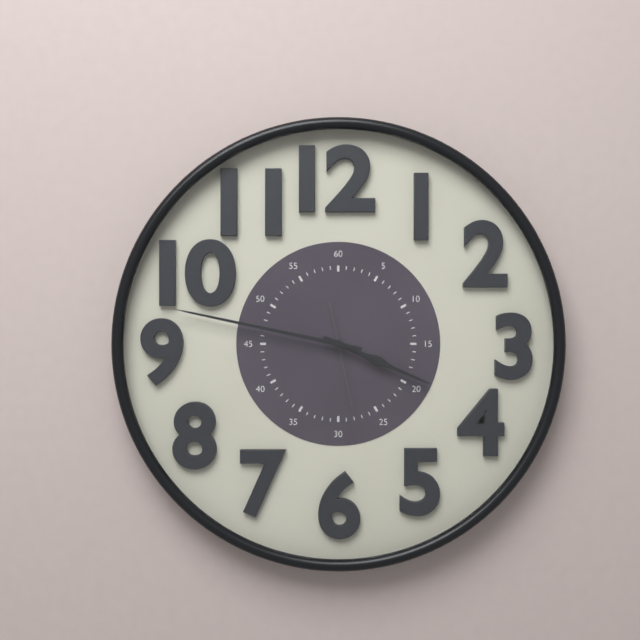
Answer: {"hour": 3, "minute": 47, "second": 28}
